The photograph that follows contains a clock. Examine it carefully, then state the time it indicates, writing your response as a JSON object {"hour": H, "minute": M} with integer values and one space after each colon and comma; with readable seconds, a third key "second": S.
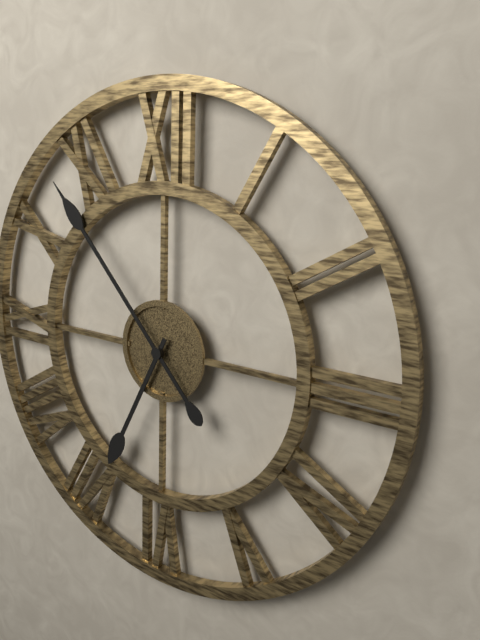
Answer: {"hour": 6, "minute": 53}
